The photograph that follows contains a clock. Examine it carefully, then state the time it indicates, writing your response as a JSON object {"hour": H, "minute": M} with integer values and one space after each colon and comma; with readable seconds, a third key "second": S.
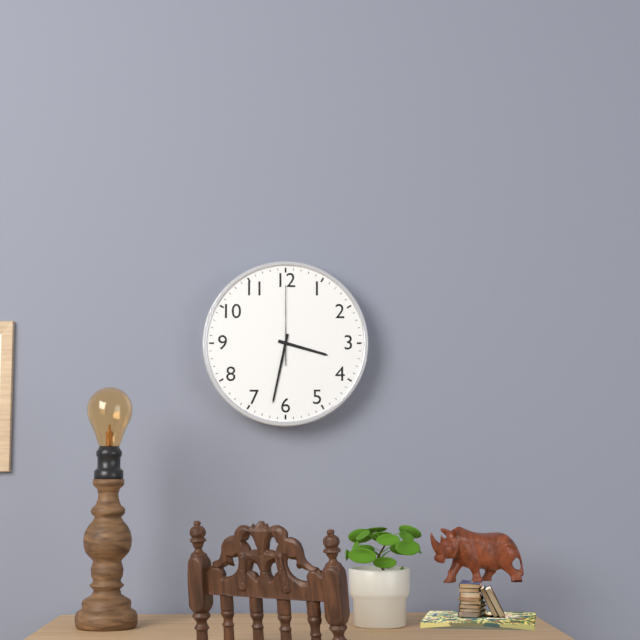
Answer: {"hour": 3, "minute": 32, "second": 0}
